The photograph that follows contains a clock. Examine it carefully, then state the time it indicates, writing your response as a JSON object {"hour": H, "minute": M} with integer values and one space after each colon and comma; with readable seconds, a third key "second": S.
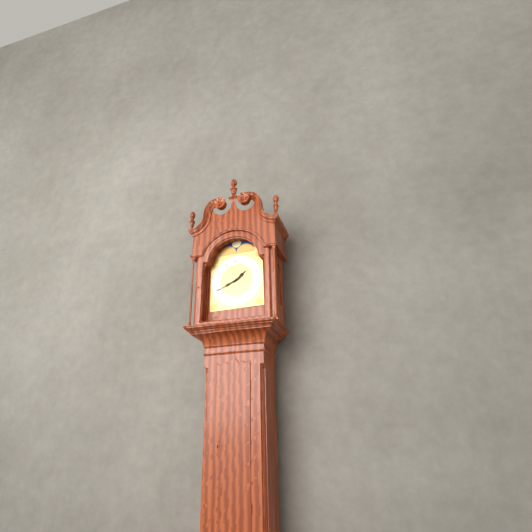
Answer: {"hour": 1, "minute": 41}
